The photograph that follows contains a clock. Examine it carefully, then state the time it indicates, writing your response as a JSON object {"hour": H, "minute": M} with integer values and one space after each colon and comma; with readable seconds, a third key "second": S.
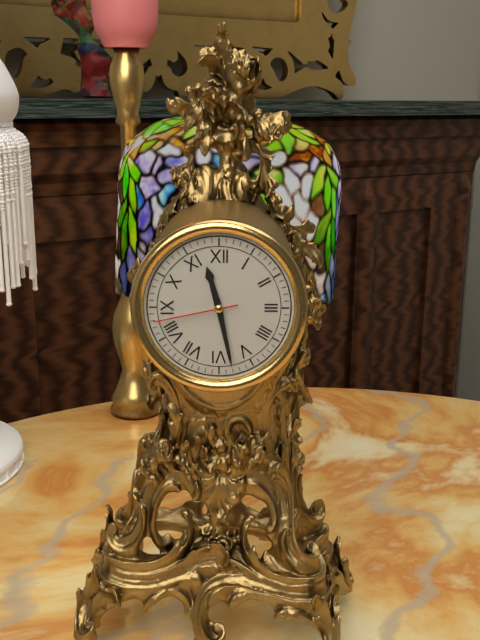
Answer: {"hour": 11, "minute": 28, "second": 43}
